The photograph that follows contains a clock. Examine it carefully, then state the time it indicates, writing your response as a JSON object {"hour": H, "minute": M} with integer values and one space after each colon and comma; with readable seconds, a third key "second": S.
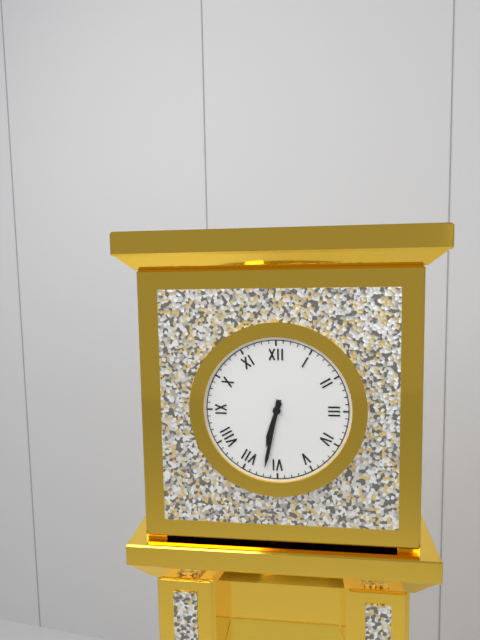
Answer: {"hour": 6, "minute": 32}
